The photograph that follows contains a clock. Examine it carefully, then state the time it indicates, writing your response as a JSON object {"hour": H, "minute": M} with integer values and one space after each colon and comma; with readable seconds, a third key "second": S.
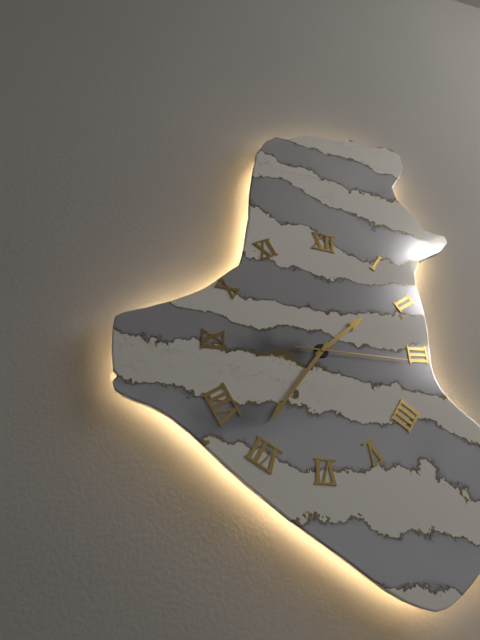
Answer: {"hour": 1, "minute": 36, "second": 15}
